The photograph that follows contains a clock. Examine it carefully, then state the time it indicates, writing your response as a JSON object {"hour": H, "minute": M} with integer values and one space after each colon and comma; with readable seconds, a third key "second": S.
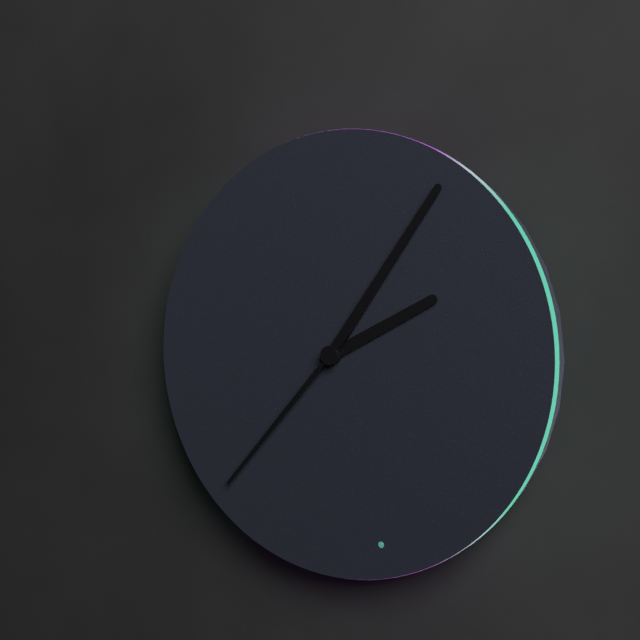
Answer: {"hour": 2, "minute": 6, "second": 37}
